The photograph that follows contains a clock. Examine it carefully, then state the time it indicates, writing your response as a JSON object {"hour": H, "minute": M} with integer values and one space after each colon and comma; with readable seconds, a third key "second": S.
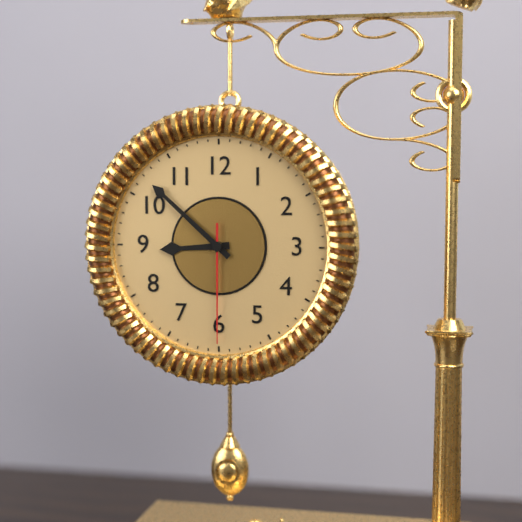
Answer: {"hour": 8, "minute": 52, "second": 30}
